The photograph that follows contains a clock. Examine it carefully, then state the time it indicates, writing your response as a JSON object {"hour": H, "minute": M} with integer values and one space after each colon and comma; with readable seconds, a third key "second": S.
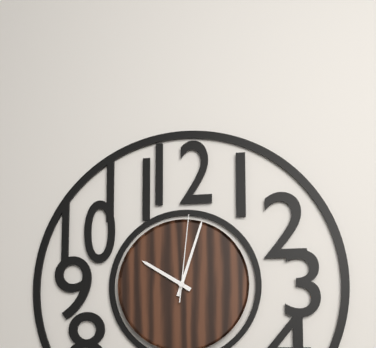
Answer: {"hour": 10, "minute": 3, "second": 1}
